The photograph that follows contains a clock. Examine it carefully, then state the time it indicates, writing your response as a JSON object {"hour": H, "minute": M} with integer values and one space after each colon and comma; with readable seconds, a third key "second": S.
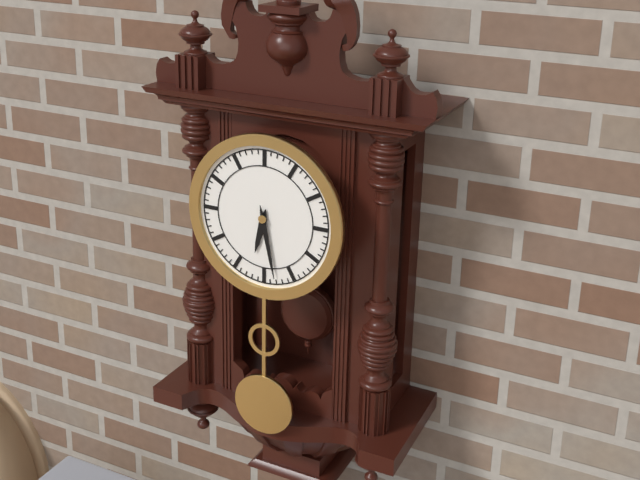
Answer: {"hour": 6, "minute": 28}
